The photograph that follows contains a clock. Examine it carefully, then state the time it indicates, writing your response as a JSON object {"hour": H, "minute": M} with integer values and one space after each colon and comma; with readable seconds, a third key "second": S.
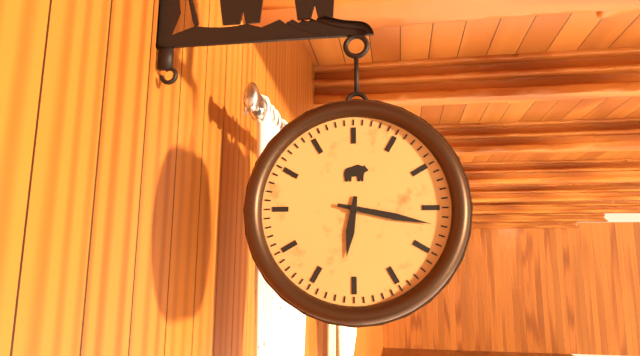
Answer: {"hour": 6, "minute": 17}
